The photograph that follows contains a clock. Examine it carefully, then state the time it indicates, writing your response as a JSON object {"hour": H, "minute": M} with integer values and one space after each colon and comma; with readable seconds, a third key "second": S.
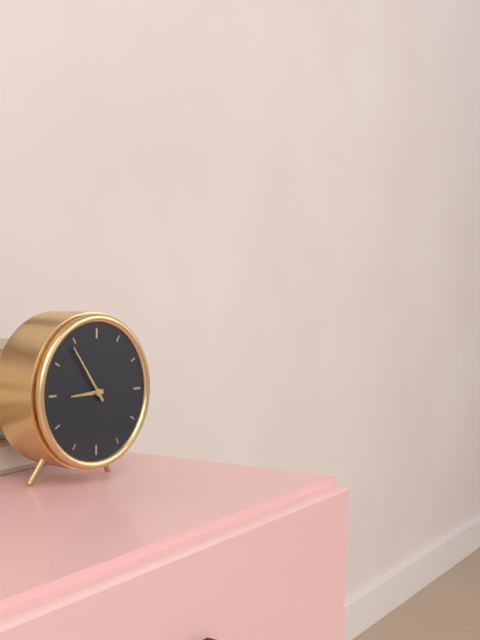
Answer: {"hour": 8, "minute": 54}
